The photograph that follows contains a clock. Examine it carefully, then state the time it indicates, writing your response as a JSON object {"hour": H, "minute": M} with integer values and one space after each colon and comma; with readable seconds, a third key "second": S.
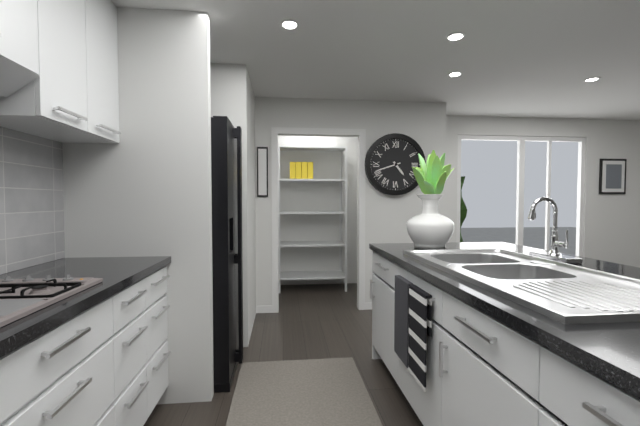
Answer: {"hour": 4, "minute": 42}
